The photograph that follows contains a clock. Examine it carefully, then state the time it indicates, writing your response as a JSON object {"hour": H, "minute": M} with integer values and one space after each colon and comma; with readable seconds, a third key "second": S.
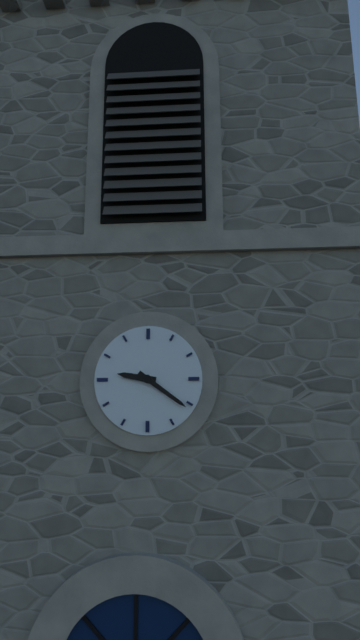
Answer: {"hour": 9, "minute": 21}
